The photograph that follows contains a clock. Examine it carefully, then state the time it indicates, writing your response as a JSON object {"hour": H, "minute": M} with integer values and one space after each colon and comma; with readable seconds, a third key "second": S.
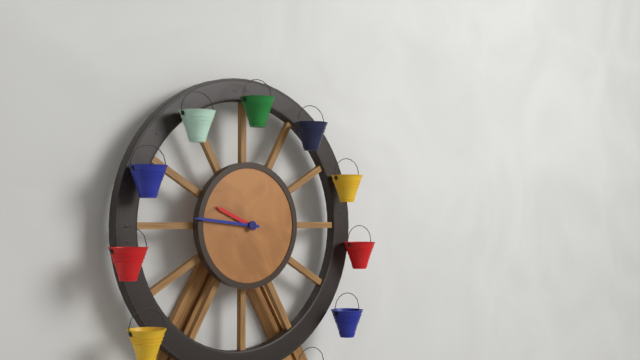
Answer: {"hour": 9, "minute": 46}
